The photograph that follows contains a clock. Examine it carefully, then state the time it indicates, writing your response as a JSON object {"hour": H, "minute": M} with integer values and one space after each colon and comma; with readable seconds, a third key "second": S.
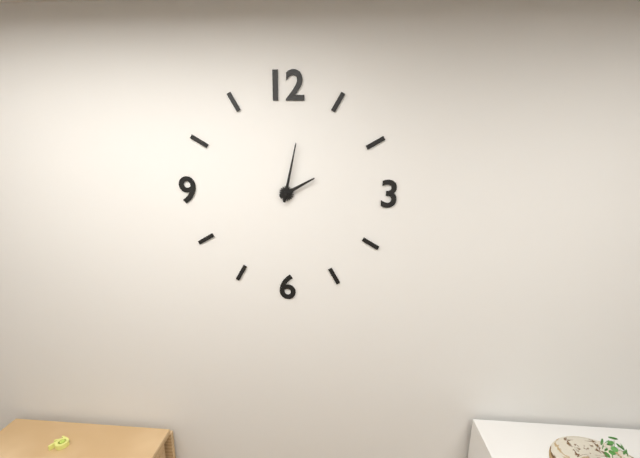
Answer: {"hour": 2, "minute": 2}
